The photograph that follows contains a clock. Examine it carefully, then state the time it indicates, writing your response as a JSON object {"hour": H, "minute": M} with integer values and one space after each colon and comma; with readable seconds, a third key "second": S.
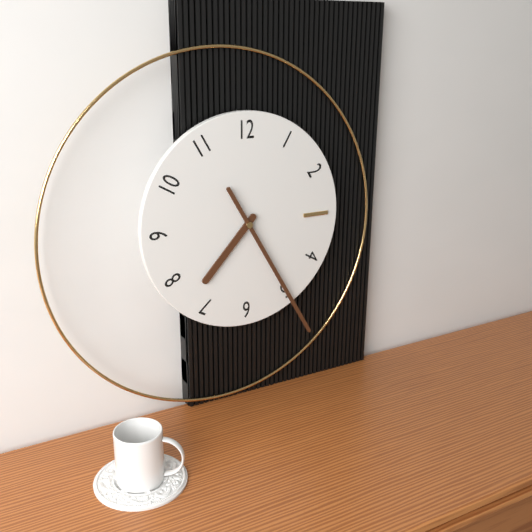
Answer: {"hour": 7, "minute": 25}
